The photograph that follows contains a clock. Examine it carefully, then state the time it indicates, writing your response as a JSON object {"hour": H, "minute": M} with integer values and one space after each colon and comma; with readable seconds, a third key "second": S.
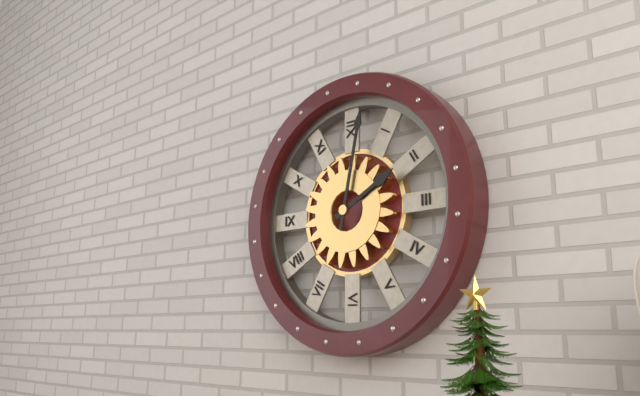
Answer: {"hour": 2, "minute": 2}
